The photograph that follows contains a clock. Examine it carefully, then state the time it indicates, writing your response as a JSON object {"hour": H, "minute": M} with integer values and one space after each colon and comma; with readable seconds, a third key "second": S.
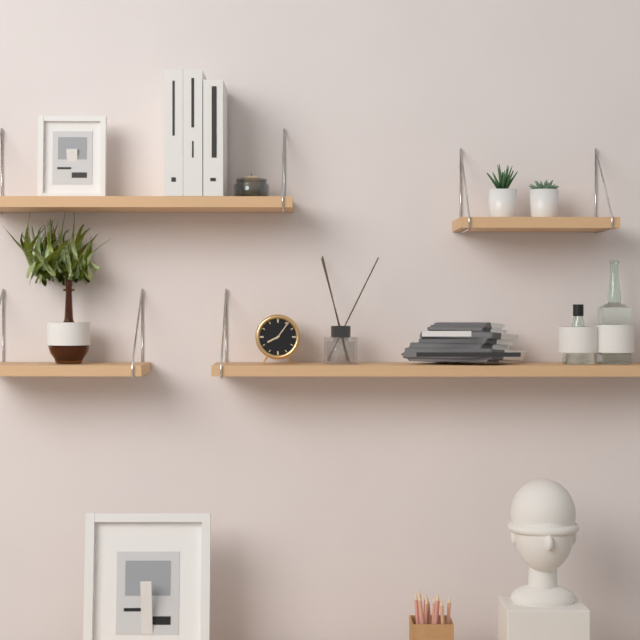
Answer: {"hour": 8, "minute": 6}
